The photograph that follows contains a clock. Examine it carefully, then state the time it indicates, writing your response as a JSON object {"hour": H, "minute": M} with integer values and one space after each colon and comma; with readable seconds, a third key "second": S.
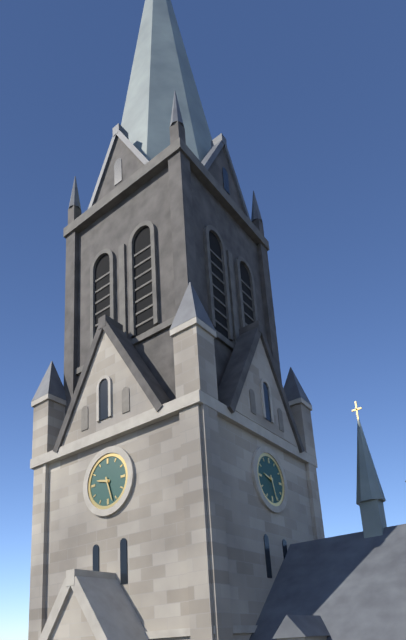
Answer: {"hour": 9, "minute": 27}
